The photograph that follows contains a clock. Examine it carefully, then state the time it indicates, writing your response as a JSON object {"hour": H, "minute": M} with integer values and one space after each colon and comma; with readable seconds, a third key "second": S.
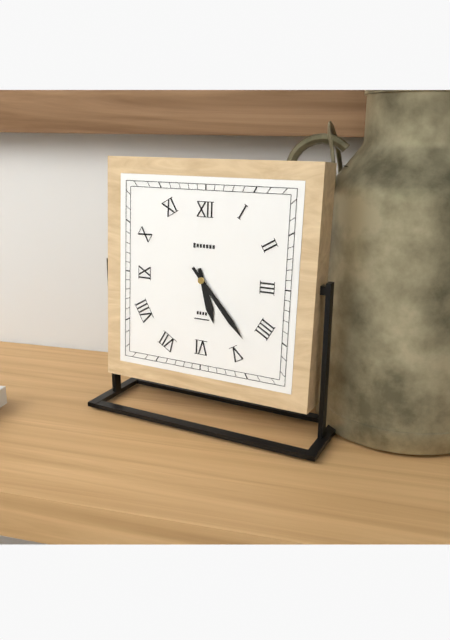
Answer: {"hour": 5, "minute": 23}
